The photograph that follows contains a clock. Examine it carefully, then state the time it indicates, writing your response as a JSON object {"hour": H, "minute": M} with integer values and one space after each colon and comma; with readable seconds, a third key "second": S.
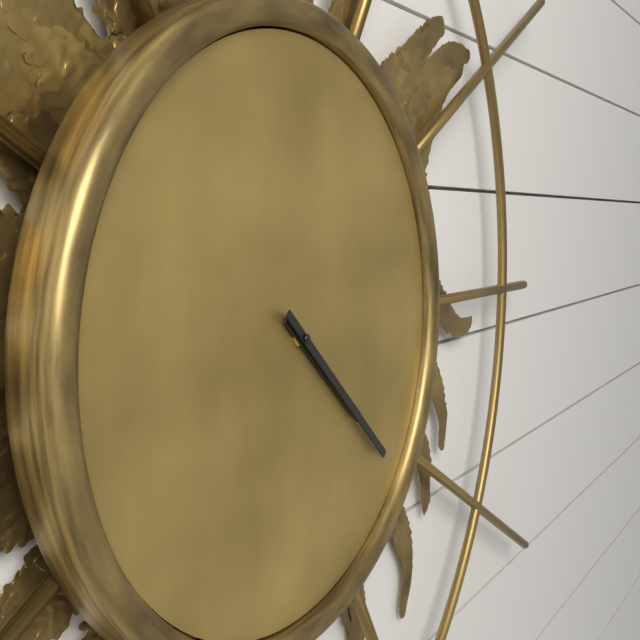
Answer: {"hour": 4, "minute": 22}
